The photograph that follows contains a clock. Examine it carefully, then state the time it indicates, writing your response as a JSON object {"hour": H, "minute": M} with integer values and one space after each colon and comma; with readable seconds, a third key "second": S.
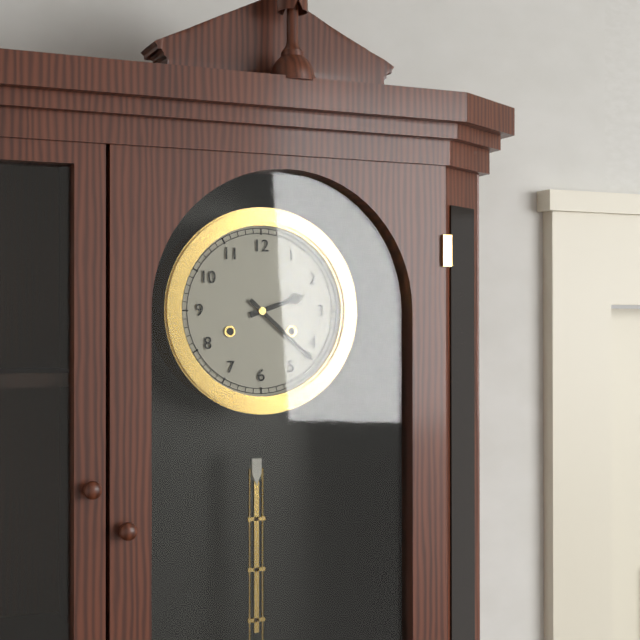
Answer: {"hour": 2, "minute": 22}
